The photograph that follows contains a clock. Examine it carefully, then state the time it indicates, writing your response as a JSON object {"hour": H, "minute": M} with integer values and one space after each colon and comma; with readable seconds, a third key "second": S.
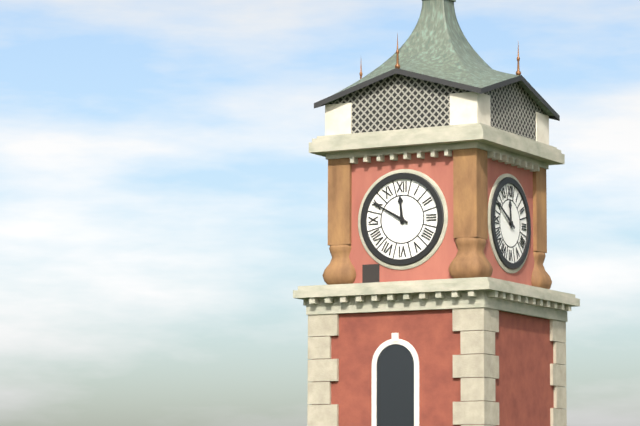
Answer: {"hour": 11, "minute": 50}
